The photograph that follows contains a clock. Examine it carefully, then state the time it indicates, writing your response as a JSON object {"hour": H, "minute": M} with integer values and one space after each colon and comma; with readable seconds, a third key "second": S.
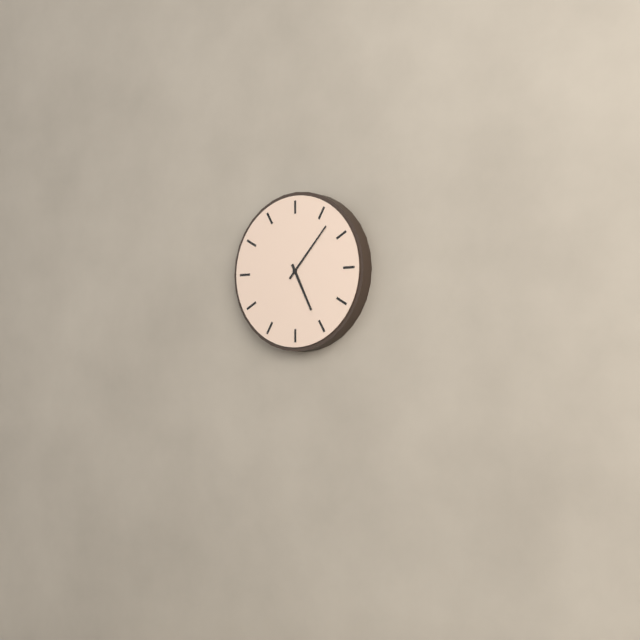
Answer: {"hour": 5, "minute": 7}
